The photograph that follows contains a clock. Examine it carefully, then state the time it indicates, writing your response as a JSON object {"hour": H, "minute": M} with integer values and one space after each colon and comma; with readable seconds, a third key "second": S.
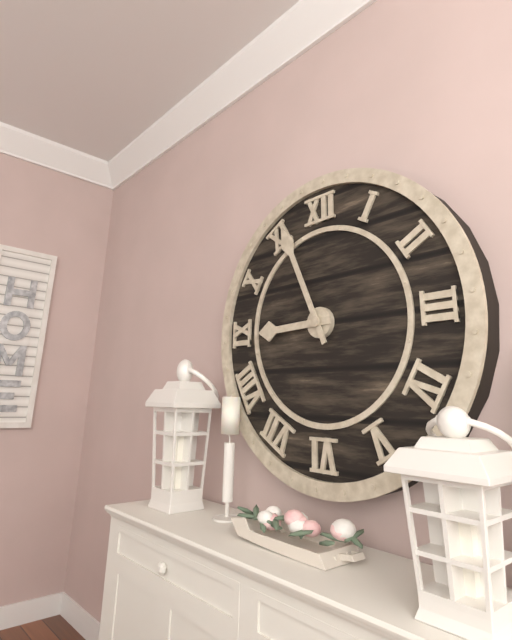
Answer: {"hour": 8, "minute": 56}
